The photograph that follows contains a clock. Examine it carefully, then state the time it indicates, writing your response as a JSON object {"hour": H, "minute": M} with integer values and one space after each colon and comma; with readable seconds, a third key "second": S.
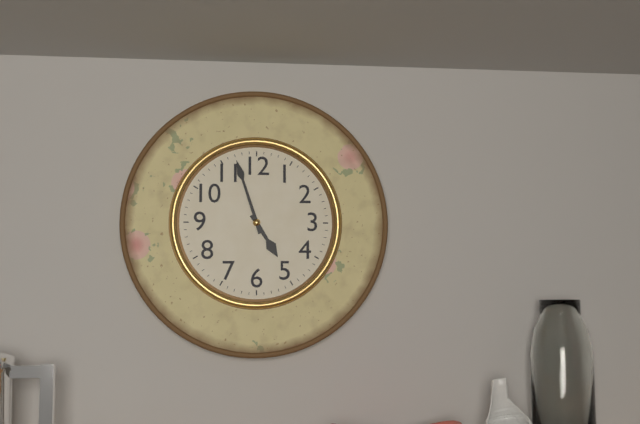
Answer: {"hour": 4, "minute": 57}
